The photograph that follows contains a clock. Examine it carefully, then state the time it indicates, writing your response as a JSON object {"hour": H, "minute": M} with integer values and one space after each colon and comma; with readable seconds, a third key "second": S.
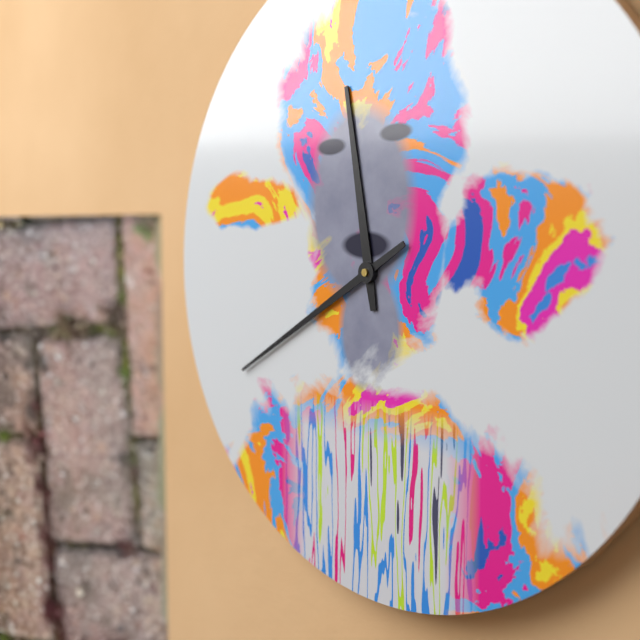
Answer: {"hour": 11, "minute": 40}
